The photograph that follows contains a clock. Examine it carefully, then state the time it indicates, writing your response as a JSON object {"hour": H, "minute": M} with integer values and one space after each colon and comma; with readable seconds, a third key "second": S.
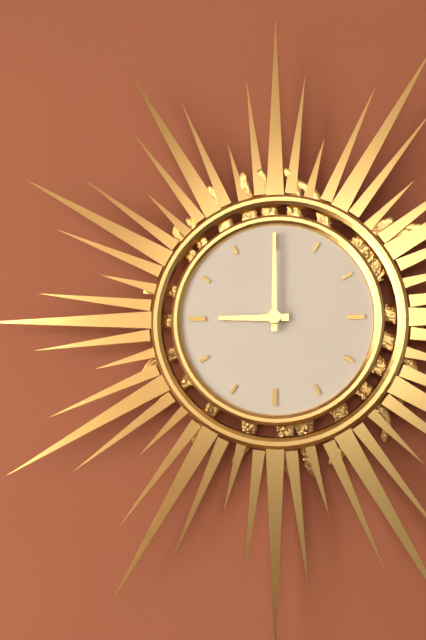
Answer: {"hour": 9, "minute": 0}
